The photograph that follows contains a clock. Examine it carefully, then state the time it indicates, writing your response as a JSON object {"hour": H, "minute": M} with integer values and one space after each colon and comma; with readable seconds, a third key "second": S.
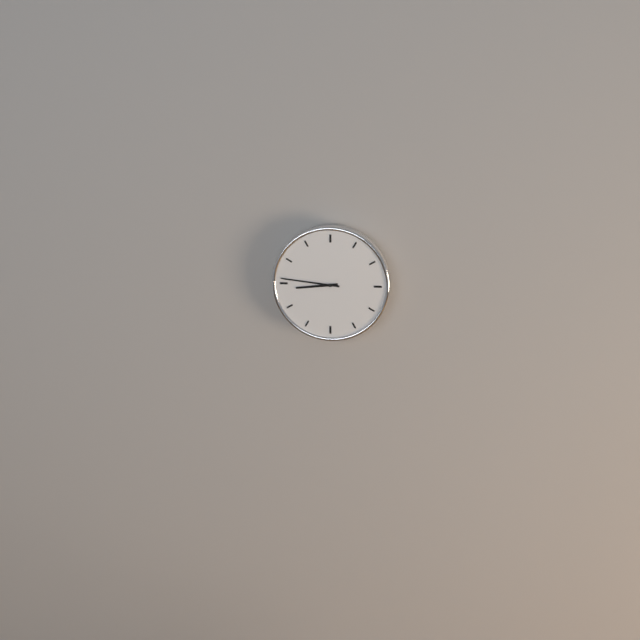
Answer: {"hour": 8, "minute": 46}
